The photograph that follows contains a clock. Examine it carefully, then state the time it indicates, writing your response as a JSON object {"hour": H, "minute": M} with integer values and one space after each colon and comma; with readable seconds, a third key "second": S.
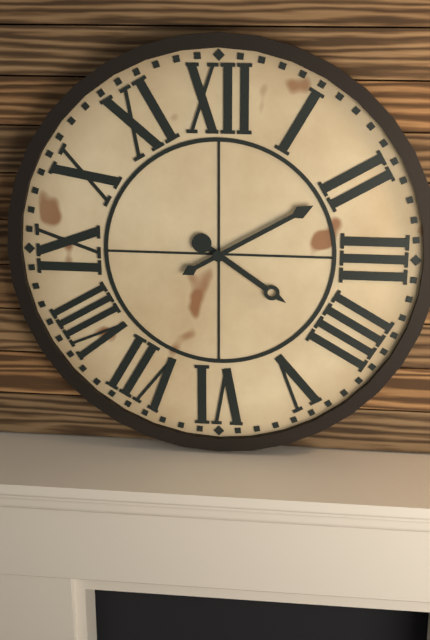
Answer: {"hour": 4, "minute": 10}
